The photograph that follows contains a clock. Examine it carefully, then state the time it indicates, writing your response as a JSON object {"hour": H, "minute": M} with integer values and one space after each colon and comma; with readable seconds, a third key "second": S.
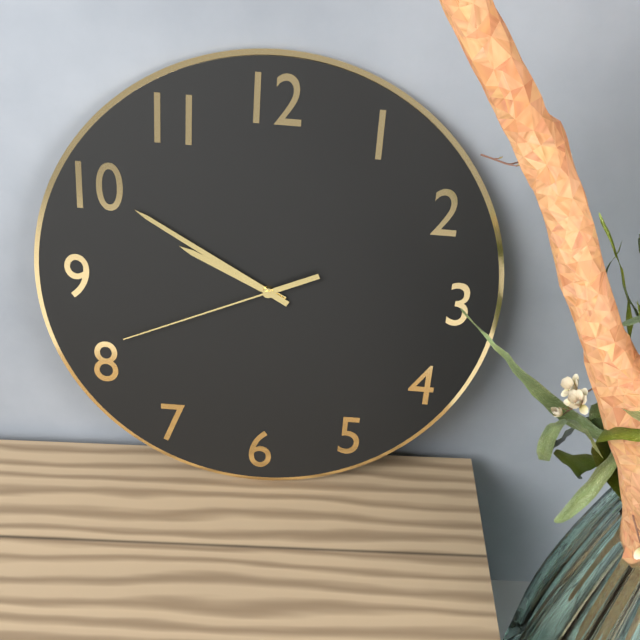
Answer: {"hour": 9, "minute": 50, "second": 41}
